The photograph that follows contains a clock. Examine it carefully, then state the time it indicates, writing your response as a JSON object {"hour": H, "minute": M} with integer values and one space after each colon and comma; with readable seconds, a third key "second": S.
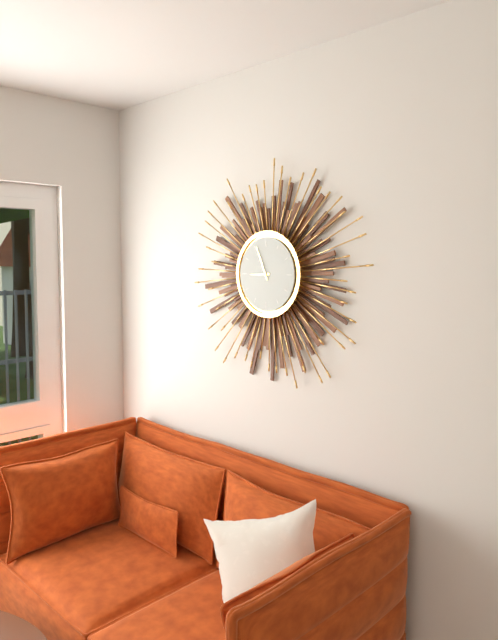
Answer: {"hour": 8, "minute": 56}
